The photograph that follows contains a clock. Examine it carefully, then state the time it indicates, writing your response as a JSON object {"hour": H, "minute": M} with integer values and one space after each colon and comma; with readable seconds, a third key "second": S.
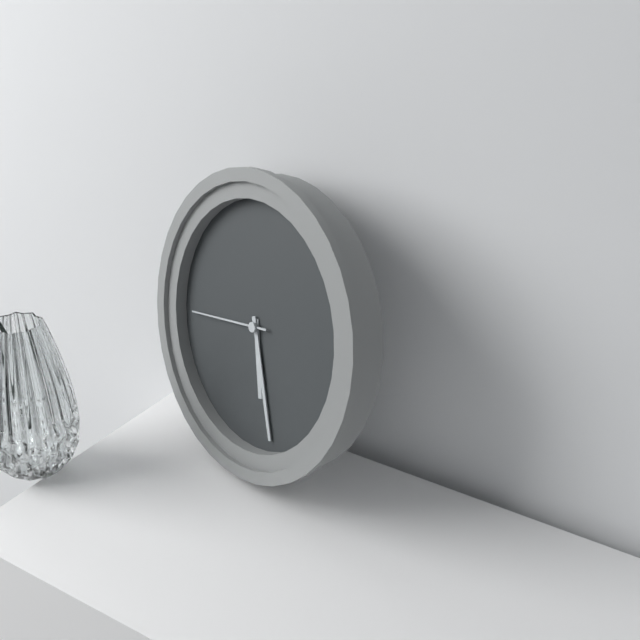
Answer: {"hour": 5, "minute": 26, "second": 43}
